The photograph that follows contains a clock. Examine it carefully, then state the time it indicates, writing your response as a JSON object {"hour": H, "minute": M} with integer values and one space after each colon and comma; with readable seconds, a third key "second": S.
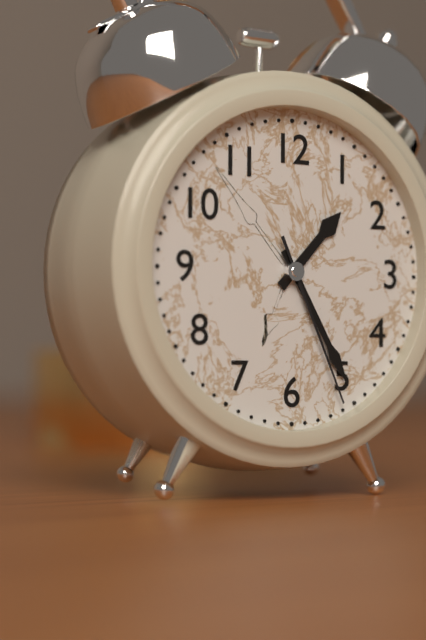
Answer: {"hour": 1, "minute": 25, "second": 26}
